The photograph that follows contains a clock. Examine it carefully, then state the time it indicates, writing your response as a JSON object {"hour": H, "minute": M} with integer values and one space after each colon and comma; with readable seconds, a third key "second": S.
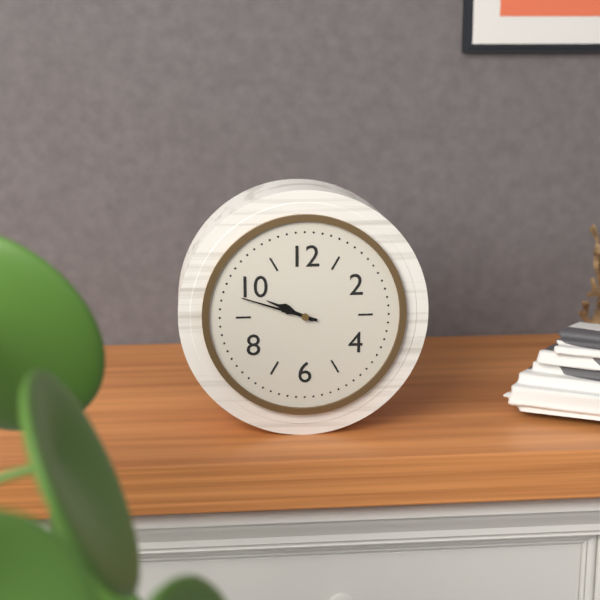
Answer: {"hour": 9, "minute": 48}
